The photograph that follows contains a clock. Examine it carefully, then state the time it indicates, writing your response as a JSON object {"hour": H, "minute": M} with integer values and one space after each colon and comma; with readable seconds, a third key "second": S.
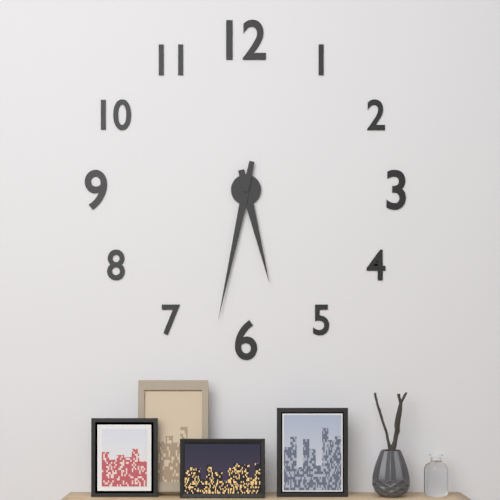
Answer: {"hour": 5, "minute": 32}
